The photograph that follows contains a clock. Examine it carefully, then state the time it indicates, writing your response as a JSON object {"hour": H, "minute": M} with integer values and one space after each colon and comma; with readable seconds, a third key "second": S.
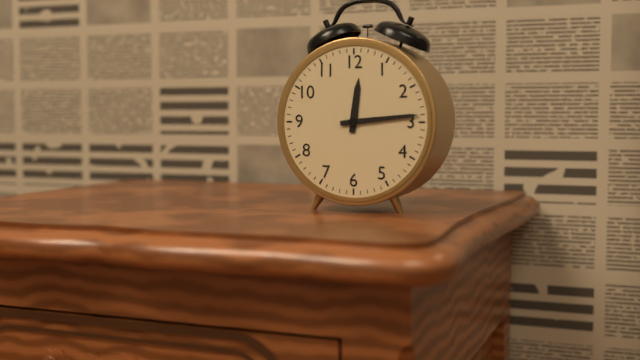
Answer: {"hour": 12, "minute": 14}
